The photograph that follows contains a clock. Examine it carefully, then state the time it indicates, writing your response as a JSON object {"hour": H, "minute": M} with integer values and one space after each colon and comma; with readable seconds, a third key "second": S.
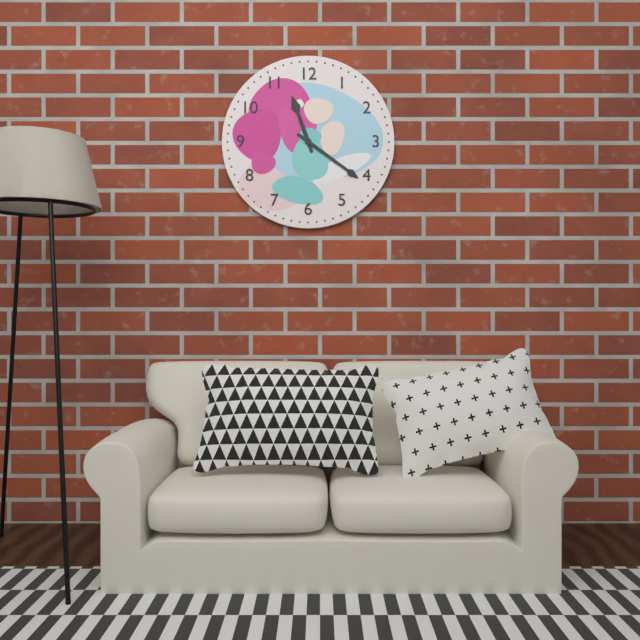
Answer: {"hour": 11, "minute": 21}
